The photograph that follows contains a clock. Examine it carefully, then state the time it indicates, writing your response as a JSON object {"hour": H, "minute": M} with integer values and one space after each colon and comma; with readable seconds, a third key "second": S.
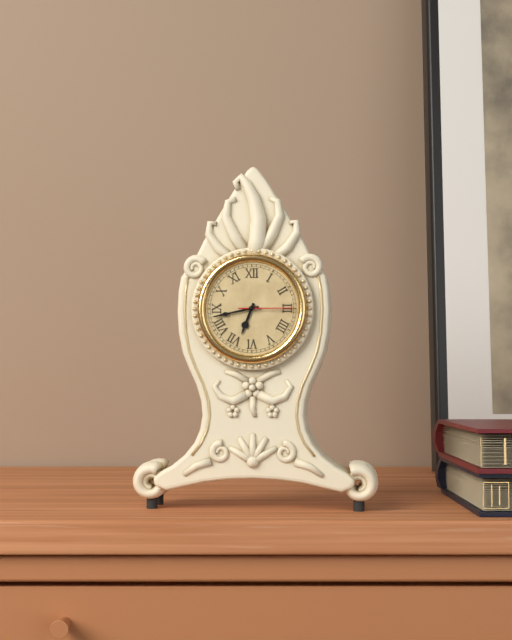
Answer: {"hour": 6, "minute": 43, "second": 15}
